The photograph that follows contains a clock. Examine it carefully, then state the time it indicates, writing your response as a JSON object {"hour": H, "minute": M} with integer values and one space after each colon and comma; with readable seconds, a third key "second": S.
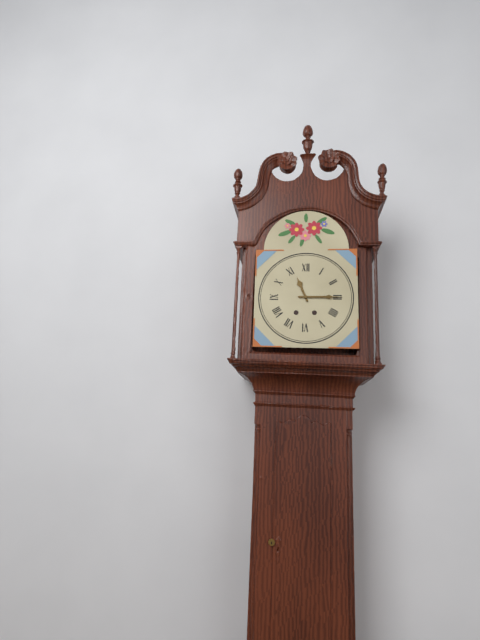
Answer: {"hour": 11, "minute": 15}
